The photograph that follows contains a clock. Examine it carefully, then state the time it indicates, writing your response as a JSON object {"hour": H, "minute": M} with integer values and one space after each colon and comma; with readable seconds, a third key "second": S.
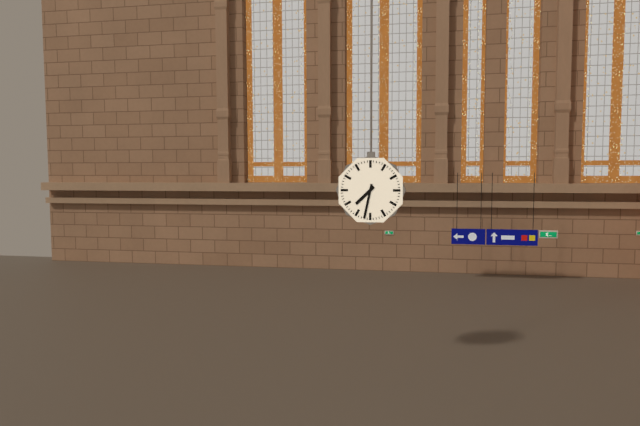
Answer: {"hour": 7, "minute": 32}
